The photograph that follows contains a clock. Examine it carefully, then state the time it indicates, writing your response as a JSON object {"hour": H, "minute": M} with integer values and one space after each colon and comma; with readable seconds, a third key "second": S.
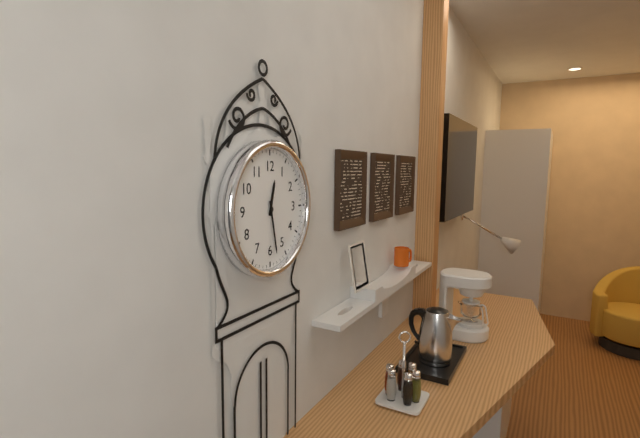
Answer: {"hour": 12, "minute": 28}
